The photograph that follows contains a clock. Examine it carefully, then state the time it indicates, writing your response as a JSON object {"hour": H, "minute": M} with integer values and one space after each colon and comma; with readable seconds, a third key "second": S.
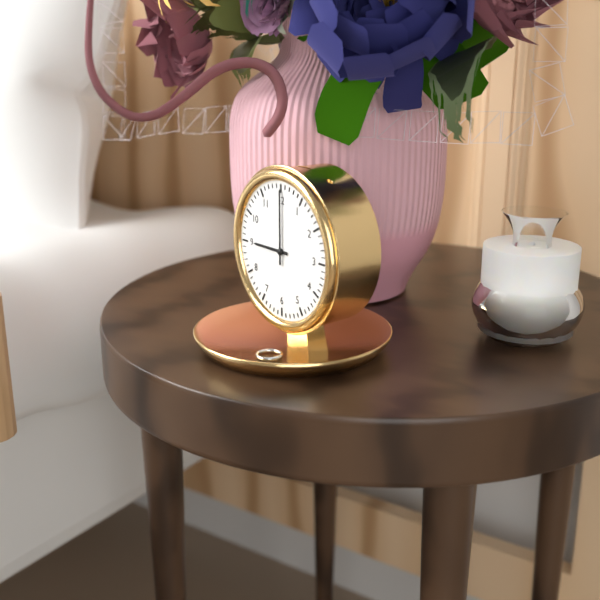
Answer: {"hour": 9, "minute": 0}
